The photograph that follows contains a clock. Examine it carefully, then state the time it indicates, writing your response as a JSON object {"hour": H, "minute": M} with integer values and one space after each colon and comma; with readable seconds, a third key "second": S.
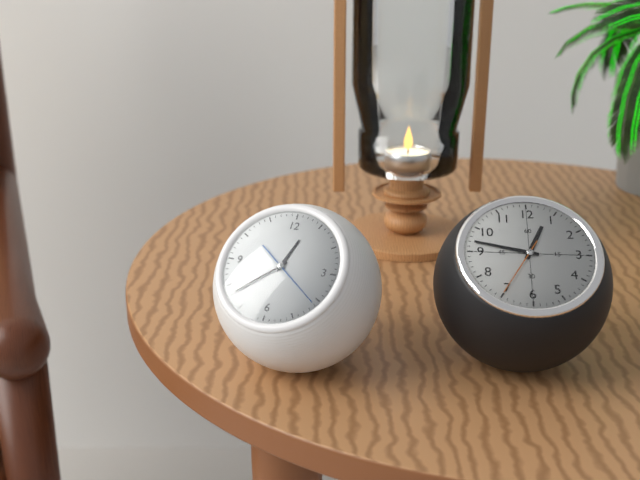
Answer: {"hour": 12, "minute": 38}
